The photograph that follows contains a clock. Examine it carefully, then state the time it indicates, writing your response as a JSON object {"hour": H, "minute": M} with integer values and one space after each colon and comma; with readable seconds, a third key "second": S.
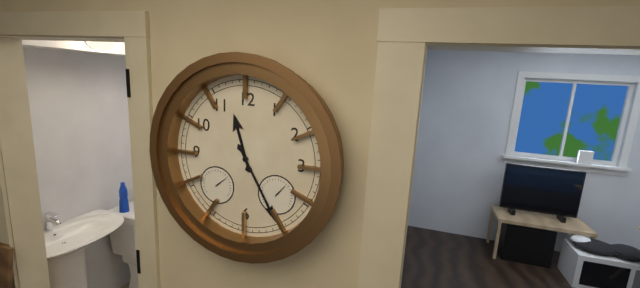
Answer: {"hour": 11, "minute": 25}
